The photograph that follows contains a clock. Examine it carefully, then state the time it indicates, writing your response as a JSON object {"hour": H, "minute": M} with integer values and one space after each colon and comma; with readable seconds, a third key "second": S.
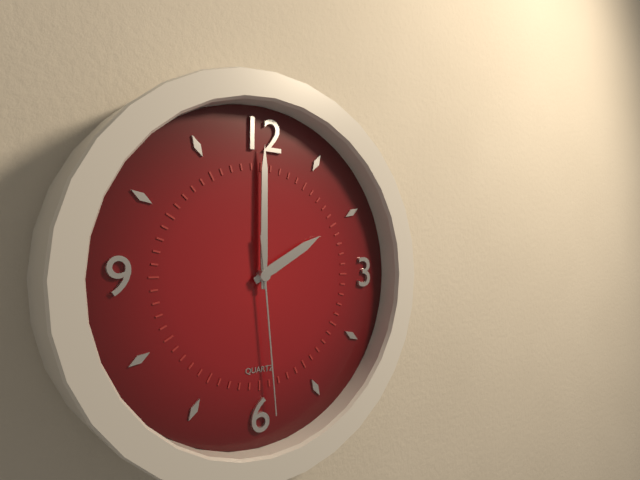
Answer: {"hour": 2, "minute": 0, "second": 29}
